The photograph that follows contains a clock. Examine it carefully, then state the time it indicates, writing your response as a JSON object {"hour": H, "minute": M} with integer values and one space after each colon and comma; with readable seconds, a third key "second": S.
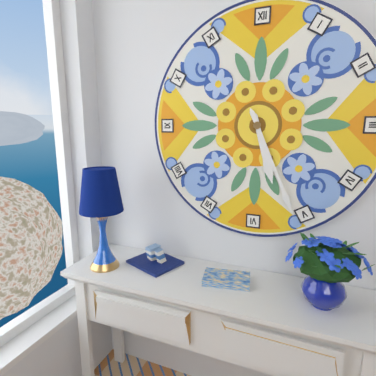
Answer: {"hour": 5, "minute": 26}
